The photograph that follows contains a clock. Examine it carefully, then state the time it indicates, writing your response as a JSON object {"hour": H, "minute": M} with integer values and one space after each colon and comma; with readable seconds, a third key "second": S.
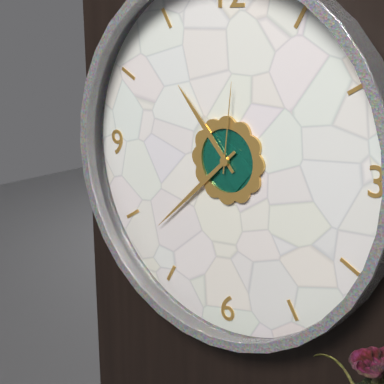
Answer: {"hour": 10, "minute": 38, "second": 1}
